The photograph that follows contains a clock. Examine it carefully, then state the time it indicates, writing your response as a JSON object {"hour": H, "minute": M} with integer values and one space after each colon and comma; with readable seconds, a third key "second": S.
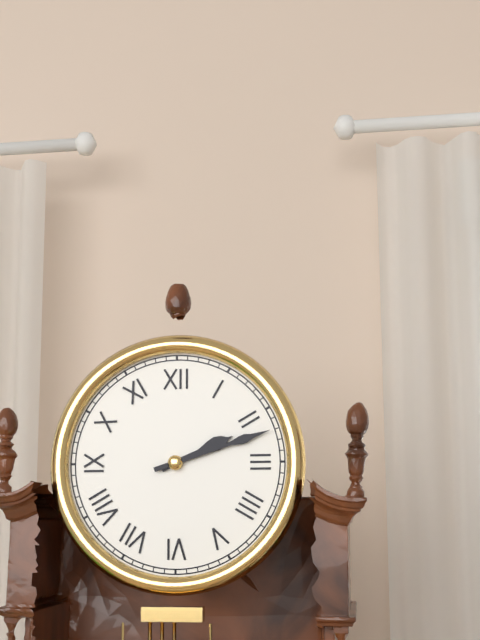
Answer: {"hour": 2, "minute": 12}
